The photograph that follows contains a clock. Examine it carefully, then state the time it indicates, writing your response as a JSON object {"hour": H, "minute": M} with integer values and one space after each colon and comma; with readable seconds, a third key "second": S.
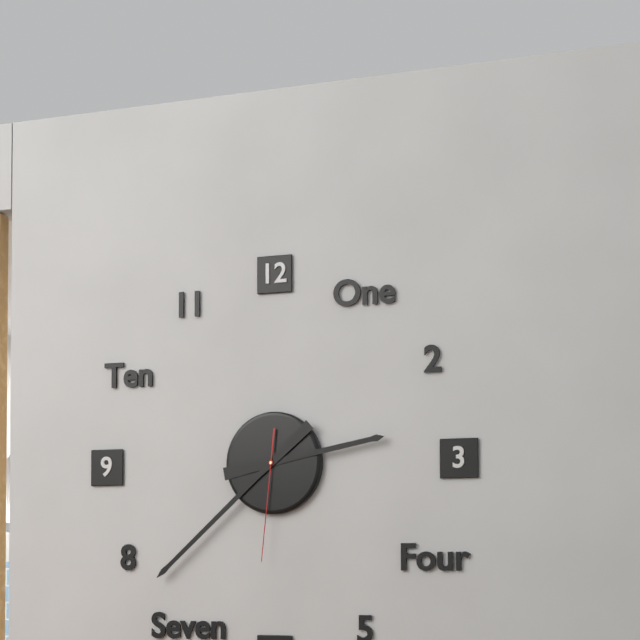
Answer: {"hour": 2, "minute": 38, "second": 31}
